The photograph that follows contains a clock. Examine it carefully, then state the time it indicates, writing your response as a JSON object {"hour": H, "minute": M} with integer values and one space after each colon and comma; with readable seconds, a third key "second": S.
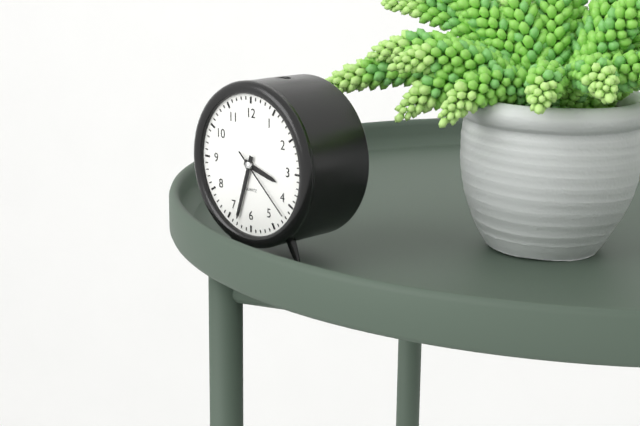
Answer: {"hour": 3, "minute": 33, "second": 22}
